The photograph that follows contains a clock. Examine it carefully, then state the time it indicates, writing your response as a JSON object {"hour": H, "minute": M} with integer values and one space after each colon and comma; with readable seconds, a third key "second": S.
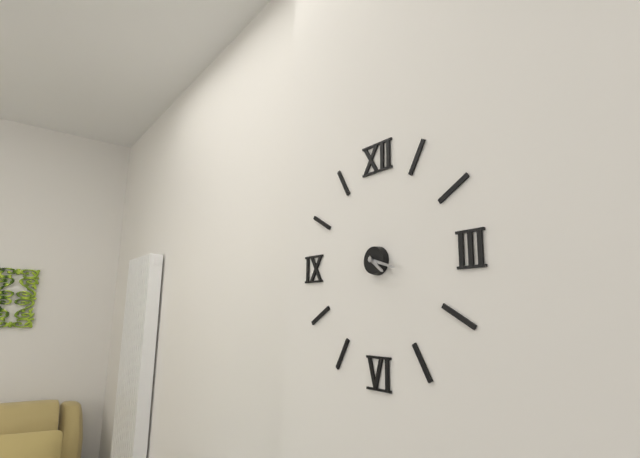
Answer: {"hour": 4, "minute": 18}
